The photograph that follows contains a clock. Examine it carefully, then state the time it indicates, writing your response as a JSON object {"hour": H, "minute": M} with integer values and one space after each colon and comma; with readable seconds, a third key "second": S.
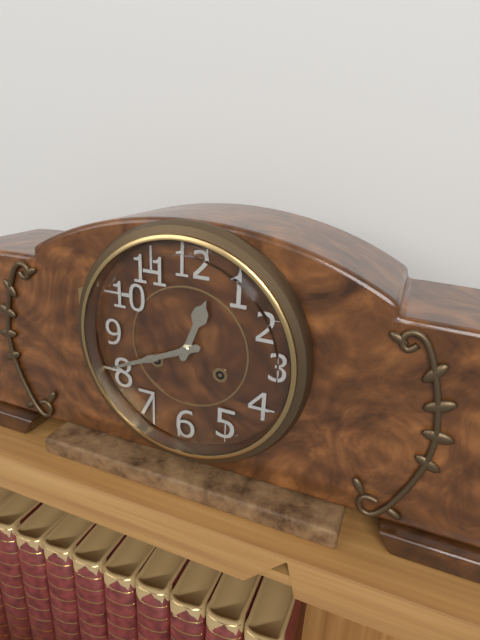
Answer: {"hour": 12, "minute": 41}
